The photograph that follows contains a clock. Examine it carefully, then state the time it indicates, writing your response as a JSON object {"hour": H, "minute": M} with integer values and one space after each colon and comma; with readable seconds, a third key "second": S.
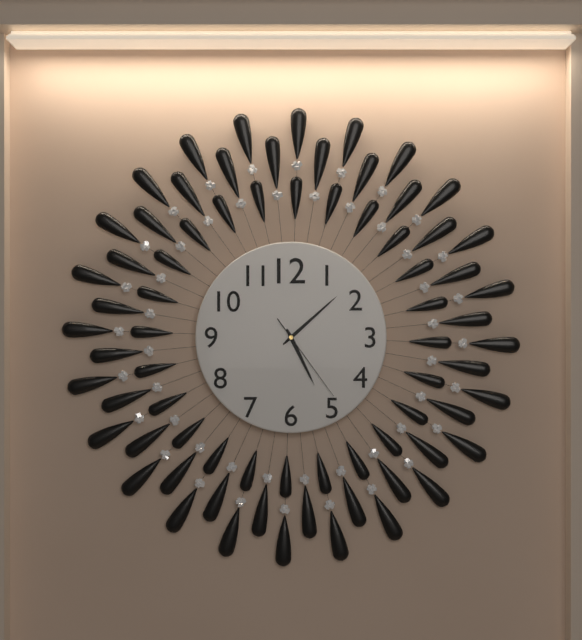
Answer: {"hour": 5, "minute": 8, "second": 24}
